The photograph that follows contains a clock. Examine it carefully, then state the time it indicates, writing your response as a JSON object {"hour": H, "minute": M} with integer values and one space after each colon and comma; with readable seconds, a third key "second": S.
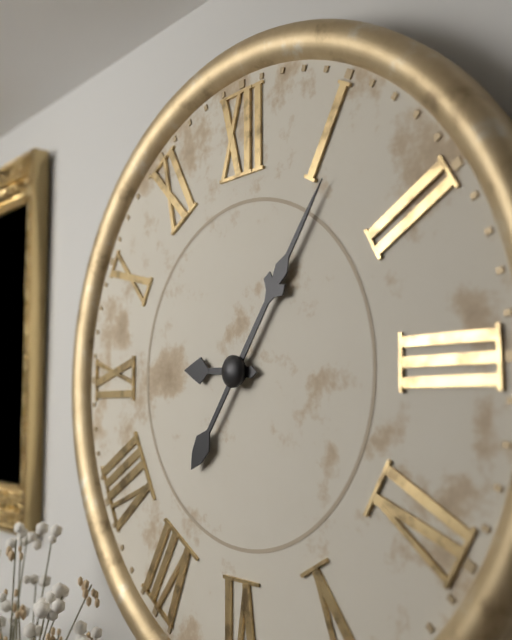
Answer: {"hour": 9, "minute": 6}
